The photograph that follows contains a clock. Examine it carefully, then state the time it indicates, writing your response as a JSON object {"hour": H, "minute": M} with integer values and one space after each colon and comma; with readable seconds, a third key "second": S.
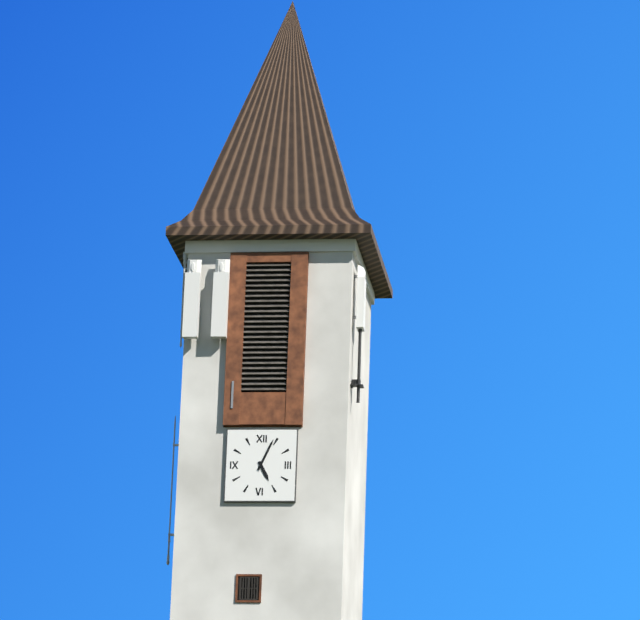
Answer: {"hour": 5, "minute": 4}
